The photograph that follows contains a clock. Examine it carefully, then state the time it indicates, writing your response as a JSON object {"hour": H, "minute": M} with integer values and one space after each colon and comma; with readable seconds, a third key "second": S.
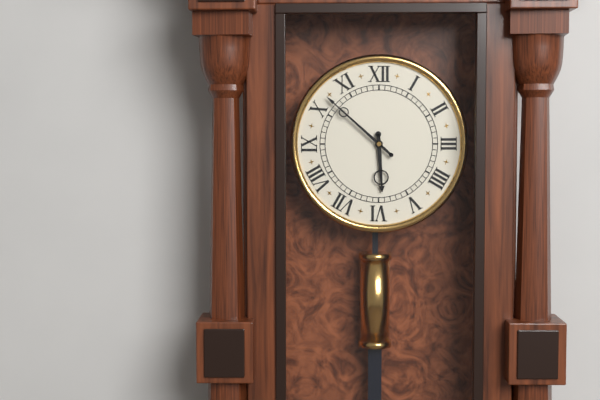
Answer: {"hour": 5, "minute": 52}
